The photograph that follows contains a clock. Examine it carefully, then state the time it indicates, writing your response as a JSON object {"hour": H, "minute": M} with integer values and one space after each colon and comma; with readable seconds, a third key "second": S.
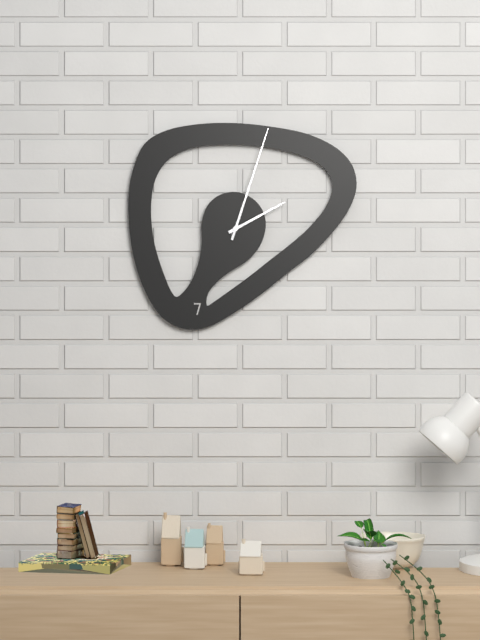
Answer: {"hour": 2, "minute": 3}
